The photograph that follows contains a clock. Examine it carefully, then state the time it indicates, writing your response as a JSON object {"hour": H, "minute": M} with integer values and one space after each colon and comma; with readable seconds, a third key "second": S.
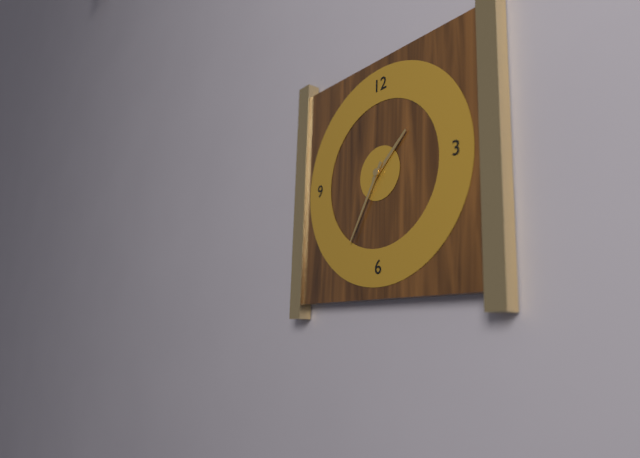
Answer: {"hour": 1, "minute": 35}
